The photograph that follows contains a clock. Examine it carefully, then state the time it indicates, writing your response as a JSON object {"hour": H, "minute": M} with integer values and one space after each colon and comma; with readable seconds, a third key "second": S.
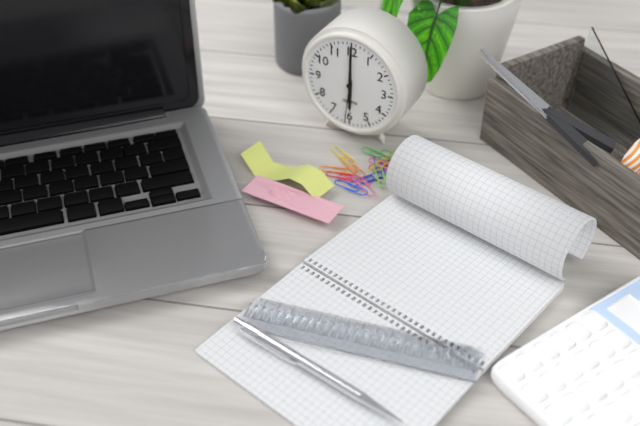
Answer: {"hour": 6, "minute": 0}
